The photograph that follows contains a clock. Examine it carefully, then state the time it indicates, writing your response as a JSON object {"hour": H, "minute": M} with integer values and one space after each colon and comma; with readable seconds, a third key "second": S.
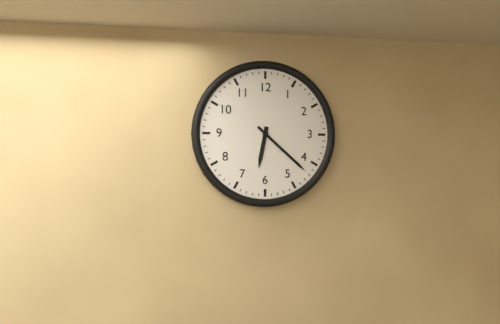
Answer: {"hour": 6, "minute": 22}
